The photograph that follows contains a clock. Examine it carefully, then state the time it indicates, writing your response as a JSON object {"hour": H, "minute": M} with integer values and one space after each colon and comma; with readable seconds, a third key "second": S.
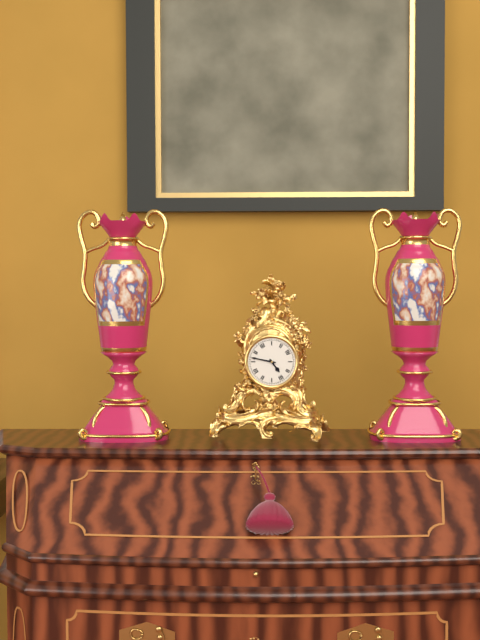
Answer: {"hour": 4, "minute": 47}
